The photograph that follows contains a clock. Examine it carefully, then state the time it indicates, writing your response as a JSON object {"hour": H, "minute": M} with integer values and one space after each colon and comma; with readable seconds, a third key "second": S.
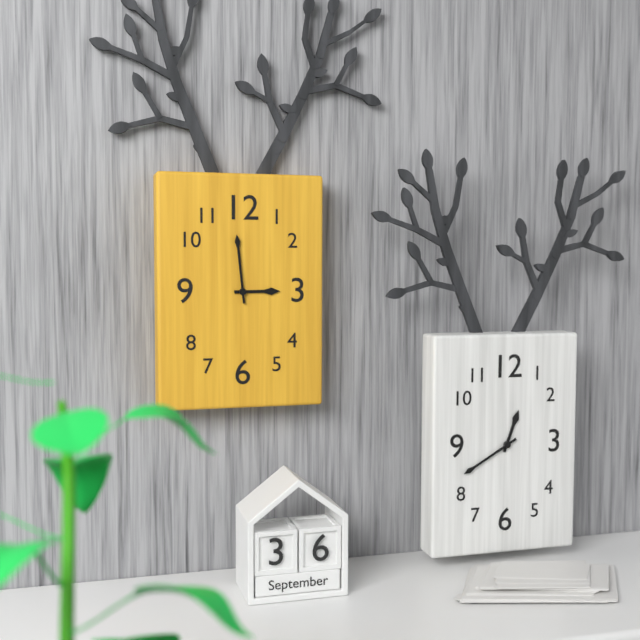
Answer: {"hour": 2, "minute": 59}
